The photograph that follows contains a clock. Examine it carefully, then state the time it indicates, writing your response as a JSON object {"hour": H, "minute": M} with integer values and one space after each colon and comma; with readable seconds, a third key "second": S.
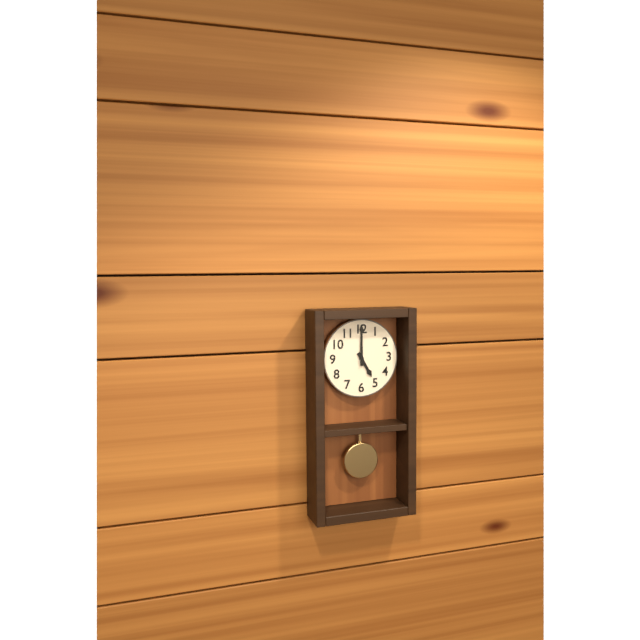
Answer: {"hour": 5, "minute": 0}
